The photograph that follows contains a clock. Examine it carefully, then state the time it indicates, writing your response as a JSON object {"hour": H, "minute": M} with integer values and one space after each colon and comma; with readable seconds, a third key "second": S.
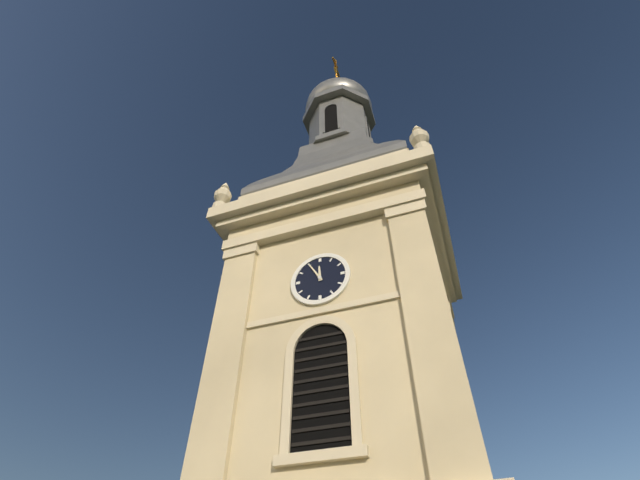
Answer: {"hour": 11, "minute": 55}
